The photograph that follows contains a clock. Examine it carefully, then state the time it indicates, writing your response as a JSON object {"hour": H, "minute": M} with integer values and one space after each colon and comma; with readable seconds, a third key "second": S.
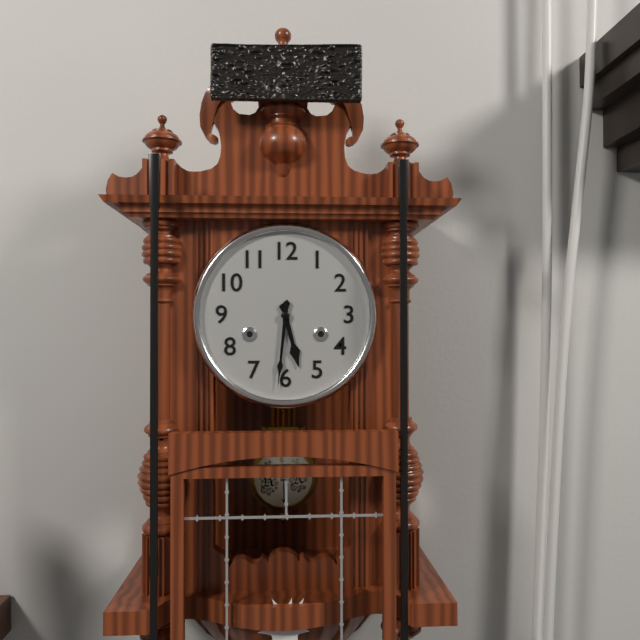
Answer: {"hour": 5, "minute": 31}
